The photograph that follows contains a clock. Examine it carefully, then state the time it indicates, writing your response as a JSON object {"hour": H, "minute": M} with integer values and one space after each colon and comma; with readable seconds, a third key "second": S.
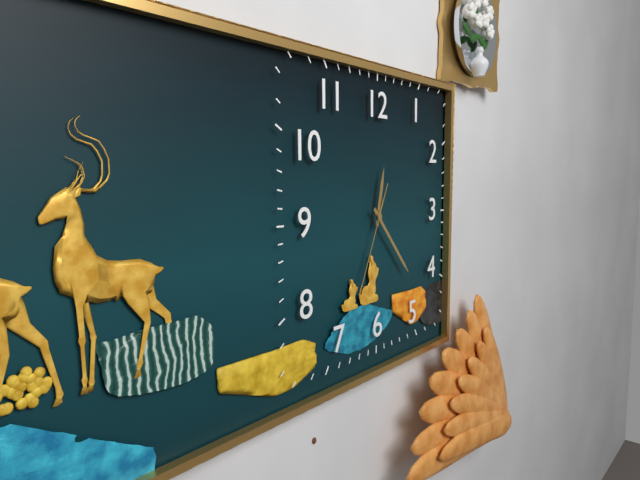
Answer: {"hour": 12, "minute": 23, "second": 34}
